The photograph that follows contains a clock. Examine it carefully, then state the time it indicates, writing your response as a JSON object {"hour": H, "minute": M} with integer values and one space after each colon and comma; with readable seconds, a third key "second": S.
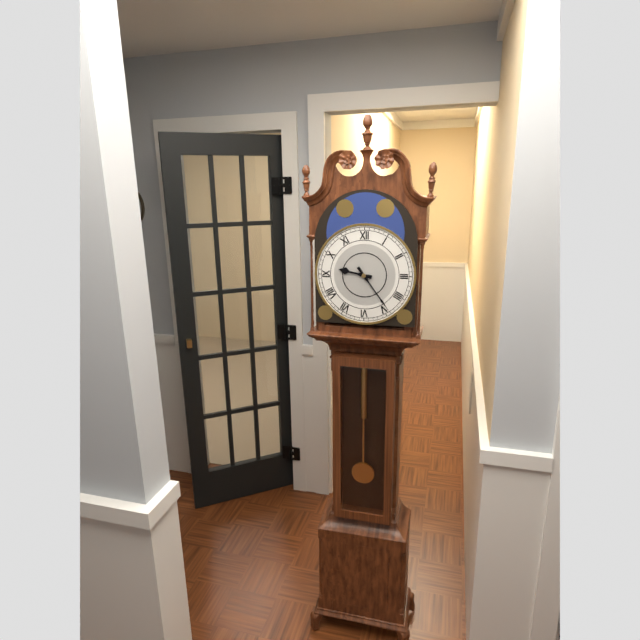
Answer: {"hour": 9, "minute": 24}
